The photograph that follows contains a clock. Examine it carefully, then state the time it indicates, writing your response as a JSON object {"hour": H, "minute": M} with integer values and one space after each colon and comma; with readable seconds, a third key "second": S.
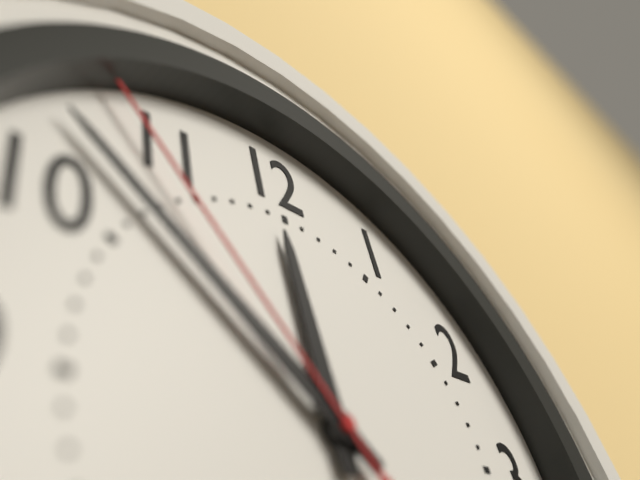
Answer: {"hour": 11, "minute": 52, "second": 54}
